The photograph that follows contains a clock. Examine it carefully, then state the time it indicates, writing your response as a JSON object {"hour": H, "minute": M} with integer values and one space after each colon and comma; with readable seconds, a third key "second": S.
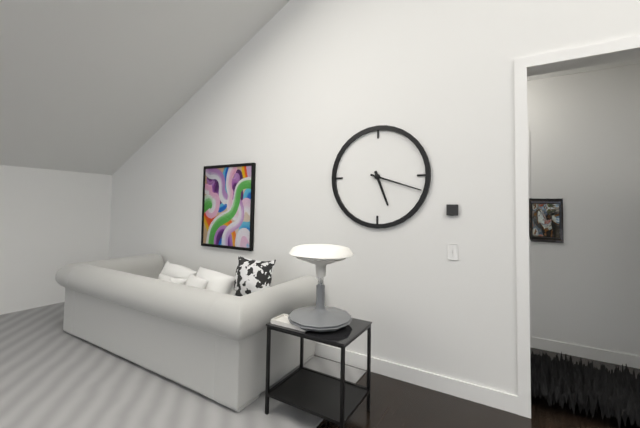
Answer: {"hour": 5, "minute": 18}
